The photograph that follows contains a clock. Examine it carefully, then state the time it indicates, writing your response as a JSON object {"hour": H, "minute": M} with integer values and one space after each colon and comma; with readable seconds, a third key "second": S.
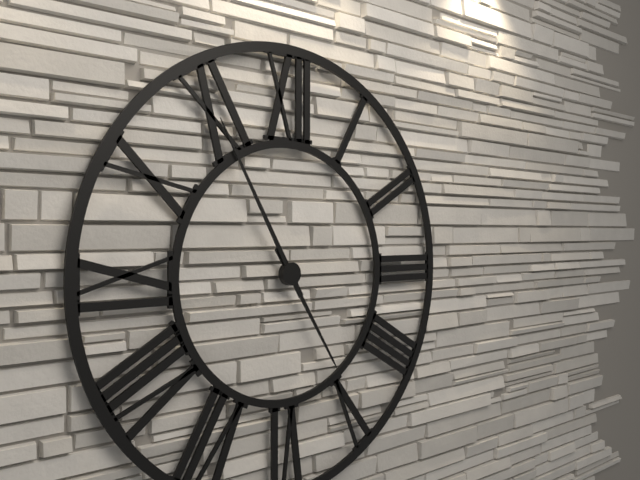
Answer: {"hour": 4, "minute": 55}
